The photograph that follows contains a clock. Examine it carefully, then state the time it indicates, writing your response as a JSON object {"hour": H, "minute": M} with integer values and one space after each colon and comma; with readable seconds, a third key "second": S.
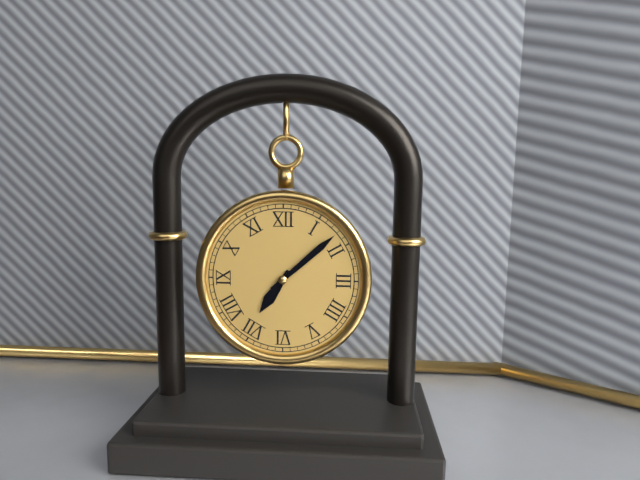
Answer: {"hour": 7, "minute": 8}
